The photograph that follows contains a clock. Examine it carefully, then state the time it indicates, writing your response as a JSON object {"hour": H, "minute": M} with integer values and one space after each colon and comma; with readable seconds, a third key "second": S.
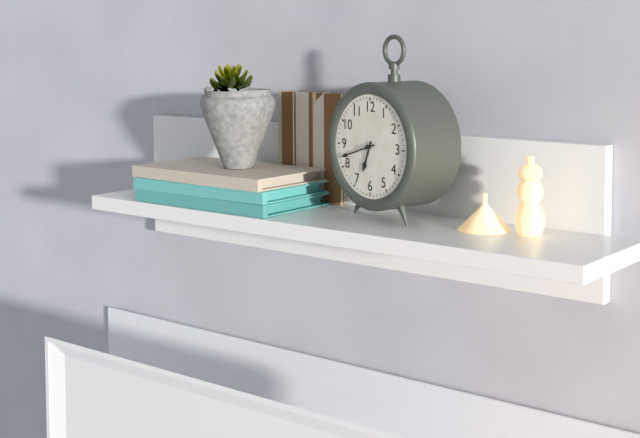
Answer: {"hour": 6, "minute": 42}
